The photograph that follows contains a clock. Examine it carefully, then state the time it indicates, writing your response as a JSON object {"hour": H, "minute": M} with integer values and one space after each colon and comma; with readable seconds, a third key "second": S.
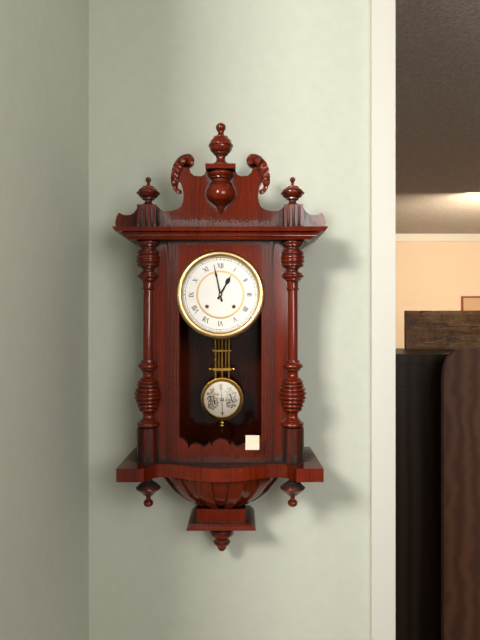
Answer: {"hour": 12, "minute": 58}
